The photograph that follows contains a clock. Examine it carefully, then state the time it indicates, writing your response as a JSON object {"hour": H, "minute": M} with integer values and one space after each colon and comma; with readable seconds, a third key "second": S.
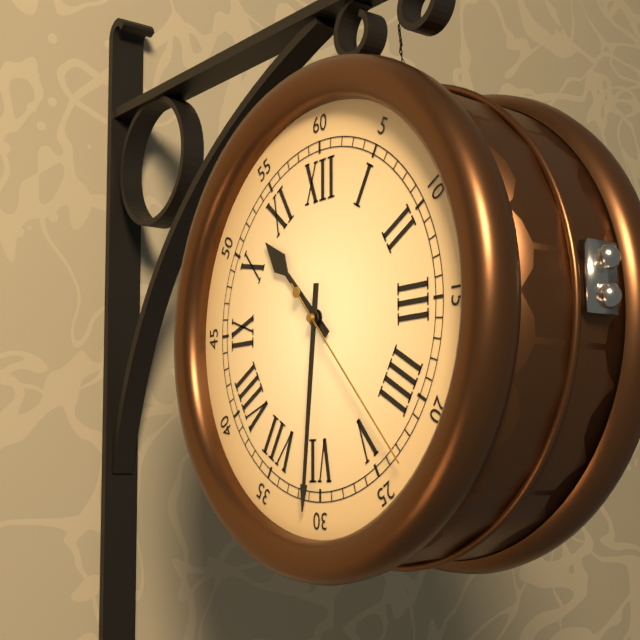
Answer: {"hour": 10, "minute": 31, "second": 23}
